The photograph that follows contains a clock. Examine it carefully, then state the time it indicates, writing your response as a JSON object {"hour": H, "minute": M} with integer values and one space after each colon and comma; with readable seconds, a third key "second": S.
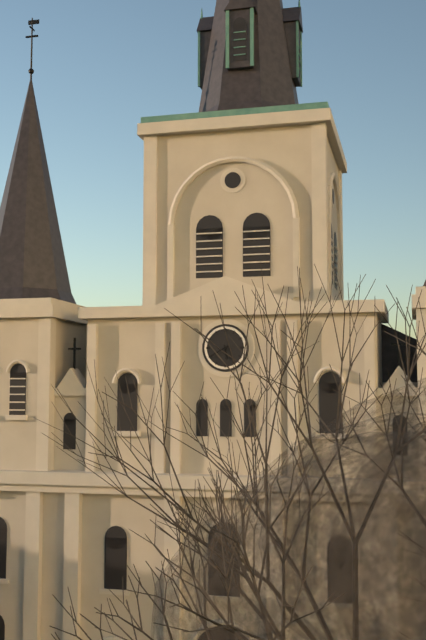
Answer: {"hour": 5, "minute": 40}
